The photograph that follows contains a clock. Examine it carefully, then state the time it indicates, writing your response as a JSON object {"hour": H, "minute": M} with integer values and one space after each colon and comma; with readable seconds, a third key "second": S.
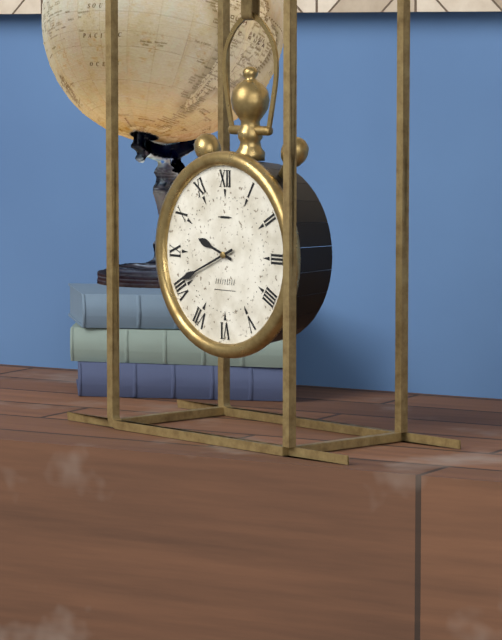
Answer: {"hour": 9, "minute": 41}
